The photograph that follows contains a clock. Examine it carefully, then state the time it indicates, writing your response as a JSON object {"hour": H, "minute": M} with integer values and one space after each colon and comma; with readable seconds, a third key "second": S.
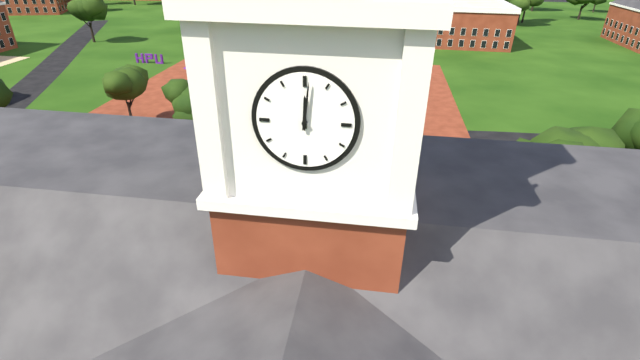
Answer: {"hour": 12, "minute": 1}
